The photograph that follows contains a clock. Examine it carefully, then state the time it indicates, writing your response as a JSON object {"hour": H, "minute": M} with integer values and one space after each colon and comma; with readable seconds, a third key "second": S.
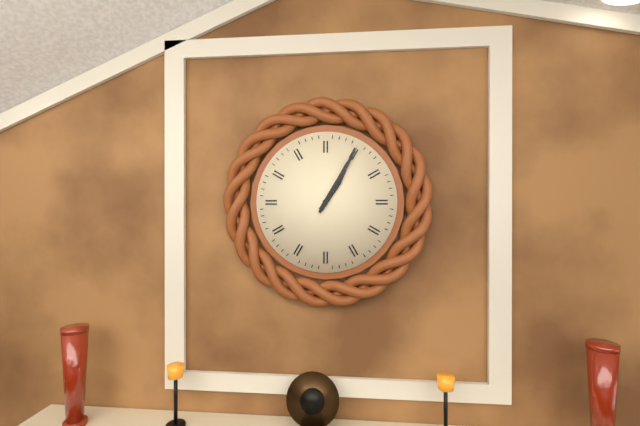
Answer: {"hour": 1, "minute": 5}
